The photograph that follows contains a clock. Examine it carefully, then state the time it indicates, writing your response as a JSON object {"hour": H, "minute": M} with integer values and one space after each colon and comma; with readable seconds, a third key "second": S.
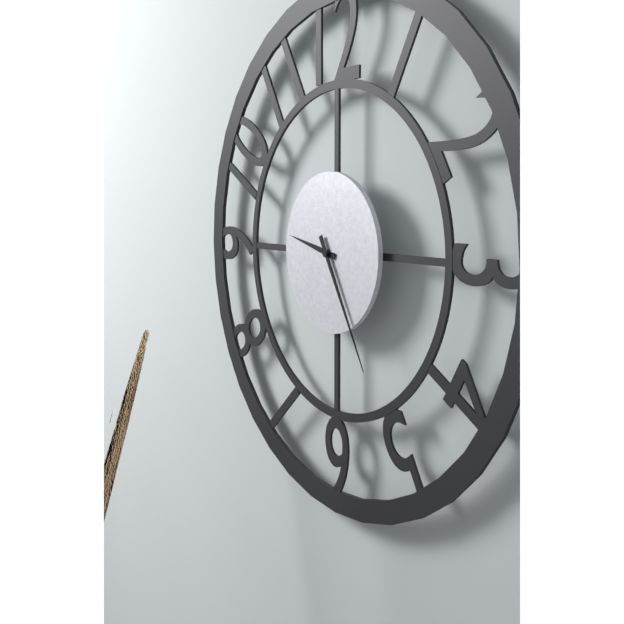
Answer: {"hour": 9, "minute": 25}
